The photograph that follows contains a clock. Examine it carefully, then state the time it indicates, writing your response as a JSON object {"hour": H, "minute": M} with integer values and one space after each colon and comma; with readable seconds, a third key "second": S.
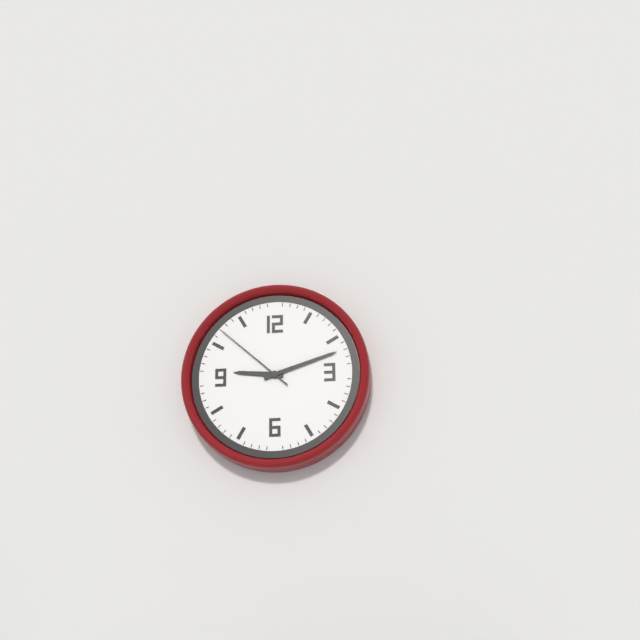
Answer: {"hour": 9, "minute": 12, "second": 52}
